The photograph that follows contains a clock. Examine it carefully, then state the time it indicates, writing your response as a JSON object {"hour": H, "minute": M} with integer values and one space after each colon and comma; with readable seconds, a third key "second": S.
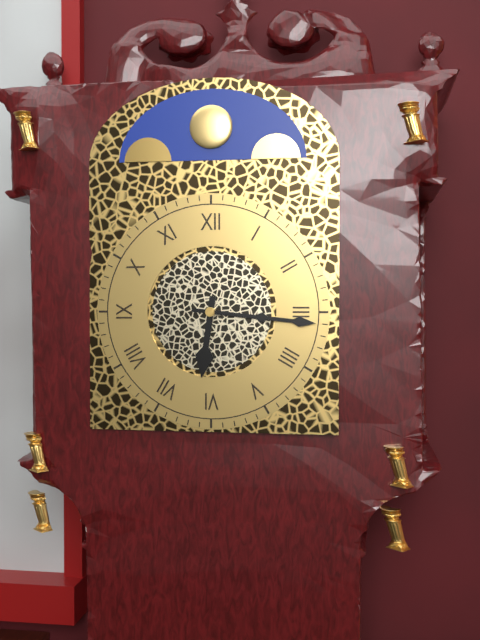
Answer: {"hour": 6, "minute": 16}
